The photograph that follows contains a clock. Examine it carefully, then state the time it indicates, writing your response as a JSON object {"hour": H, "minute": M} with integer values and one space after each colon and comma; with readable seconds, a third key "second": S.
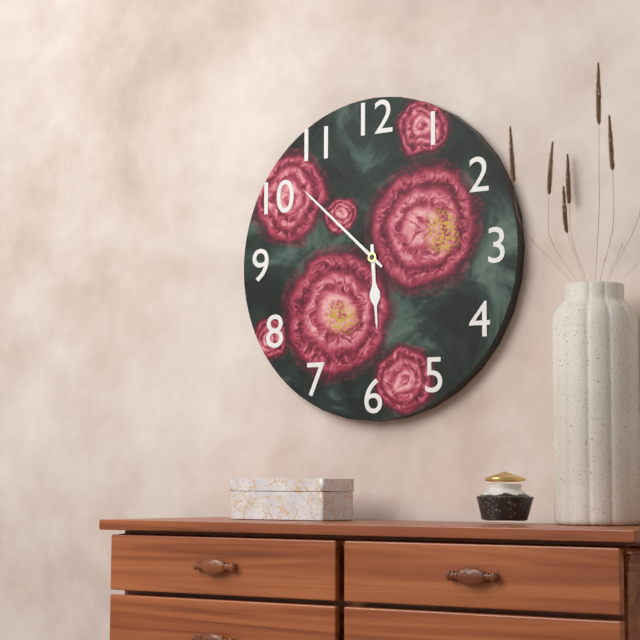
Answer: {"hour": 5, "minute": 52}
